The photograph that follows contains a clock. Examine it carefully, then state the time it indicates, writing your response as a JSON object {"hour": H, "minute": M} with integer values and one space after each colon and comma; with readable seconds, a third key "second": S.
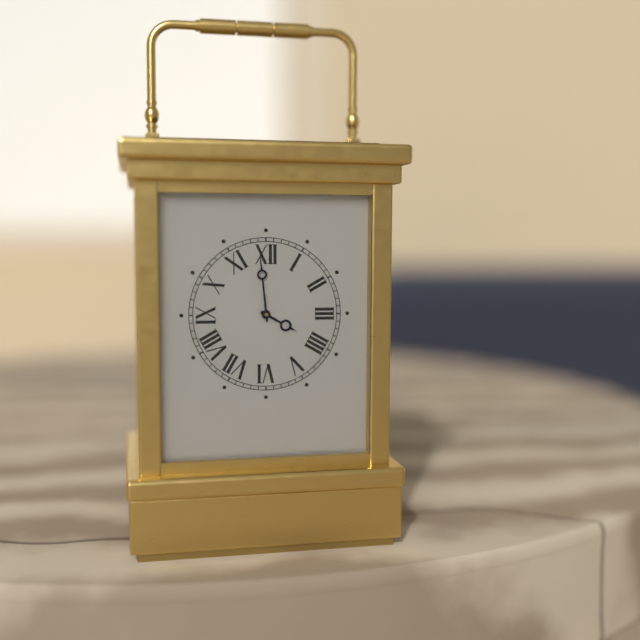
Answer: {"hour": 3, "minute": 59}
